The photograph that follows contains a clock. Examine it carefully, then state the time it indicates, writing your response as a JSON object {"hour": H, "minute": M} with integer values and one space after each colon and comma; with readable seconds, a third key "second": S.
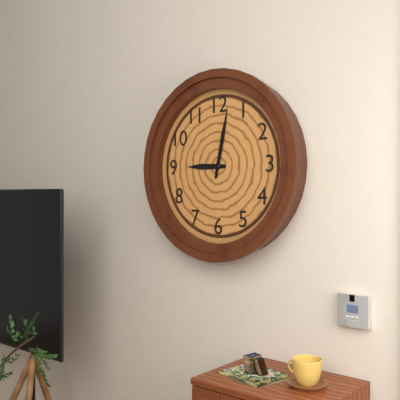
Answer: {"hour": 9, "minute": 2}
